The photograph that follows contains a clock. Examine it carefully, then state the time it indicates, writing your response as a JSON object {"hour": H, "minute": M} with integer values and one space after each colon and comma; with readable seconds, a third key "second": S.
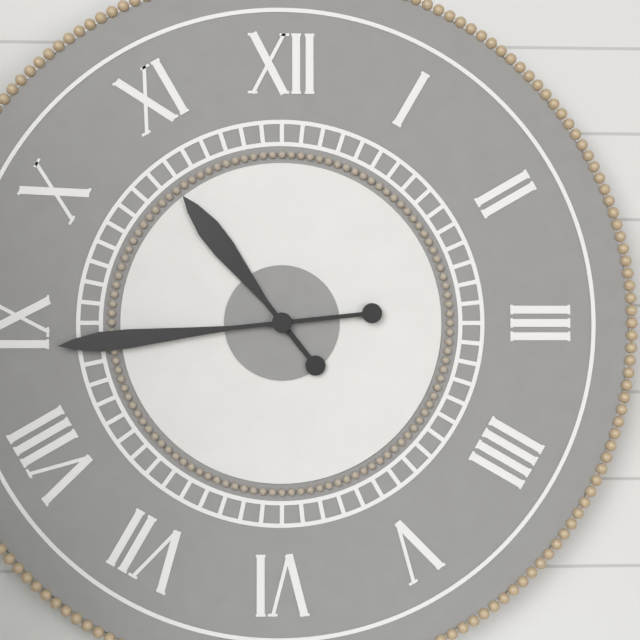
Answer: {"hour": 10, "minute": 44}
